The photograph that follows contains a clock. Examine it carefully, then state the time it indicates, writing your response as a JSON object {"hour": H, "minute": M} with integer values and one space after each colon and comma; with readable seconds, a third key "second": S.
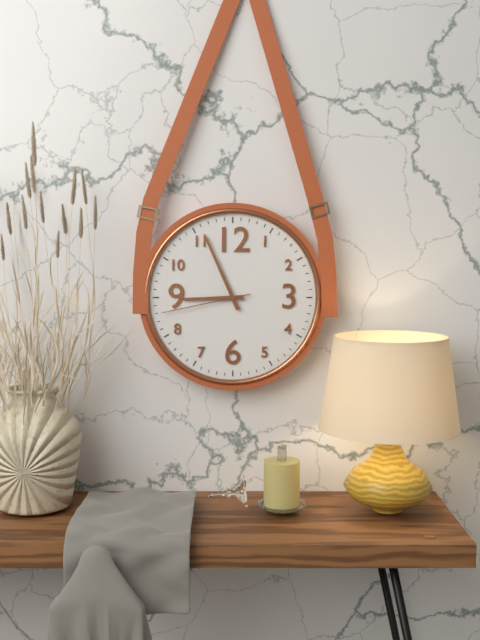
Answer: {"hour": 8, "minute": 56, "second": 43}
